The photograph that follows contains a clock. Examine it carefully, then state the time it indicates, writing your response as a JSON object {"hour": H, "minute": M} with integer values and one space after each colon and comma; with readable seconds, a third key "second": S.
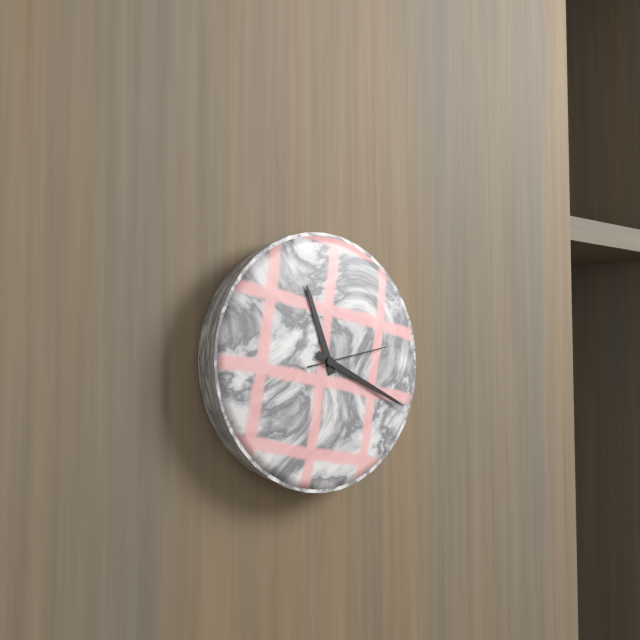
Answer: {"hour": 11, "minute": 19, "second": 13}
